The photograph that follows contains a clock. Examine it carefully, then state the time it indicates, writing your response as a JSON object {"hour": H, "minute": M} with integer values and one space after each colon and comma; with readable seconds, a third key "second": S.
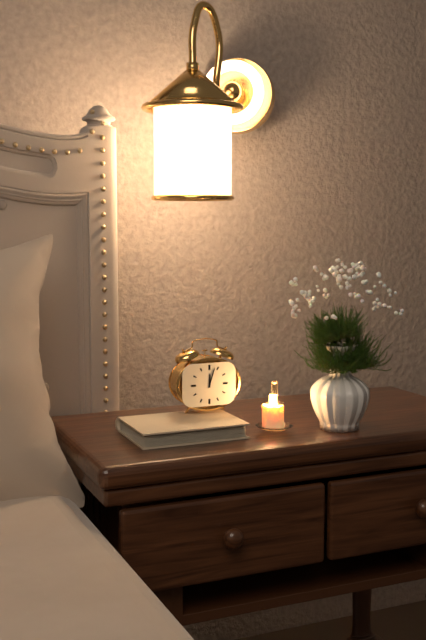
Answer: {"hour": 12, "minute": 3}
